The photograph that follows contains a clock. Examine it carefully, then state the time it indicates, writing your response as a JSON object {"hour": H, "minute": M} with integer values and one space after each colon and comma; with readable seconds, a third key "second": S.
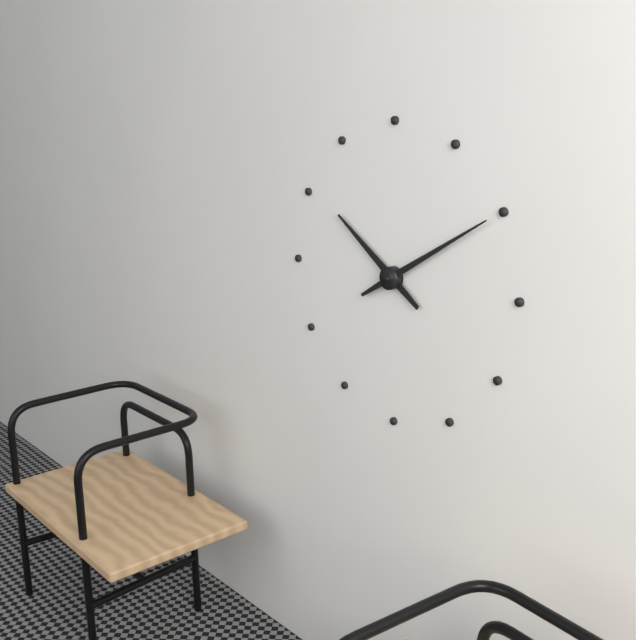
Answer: {"hour": 10, "minute": 10}
